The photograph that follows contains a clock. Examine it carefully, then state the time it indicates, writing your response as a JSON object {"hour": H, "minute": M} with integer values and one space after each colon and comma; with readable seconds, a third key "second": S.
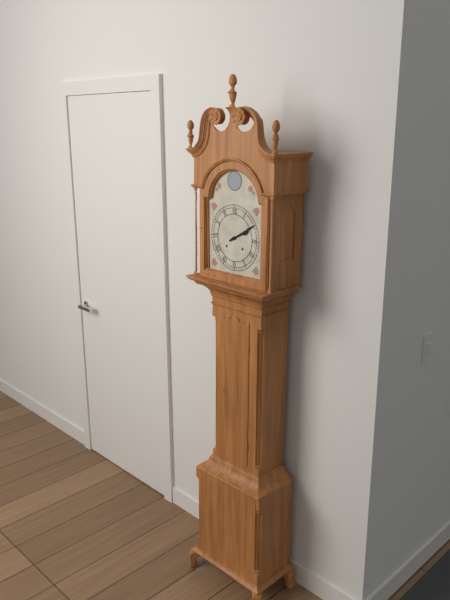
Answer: {"hour": 2, "minute": 10}
